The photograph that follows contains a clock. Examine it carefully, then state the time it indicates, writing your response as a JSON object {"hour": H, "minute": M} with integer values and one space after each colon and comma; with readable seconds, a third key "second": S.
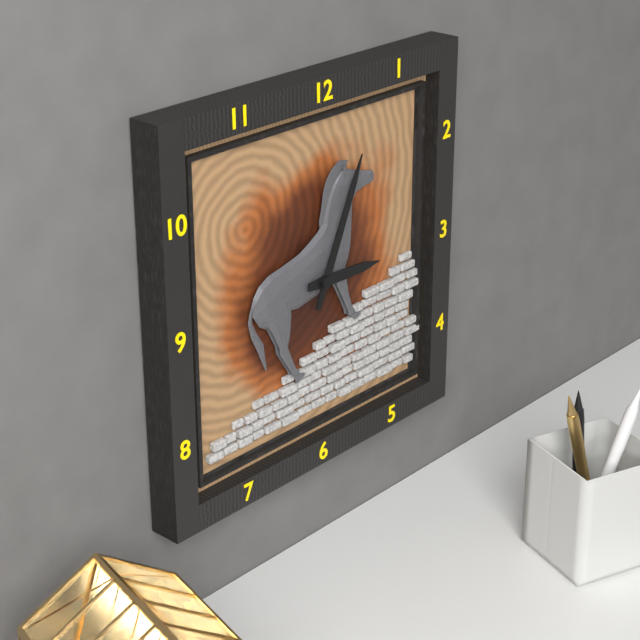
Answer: {"hour": 3, "minute": 4}
